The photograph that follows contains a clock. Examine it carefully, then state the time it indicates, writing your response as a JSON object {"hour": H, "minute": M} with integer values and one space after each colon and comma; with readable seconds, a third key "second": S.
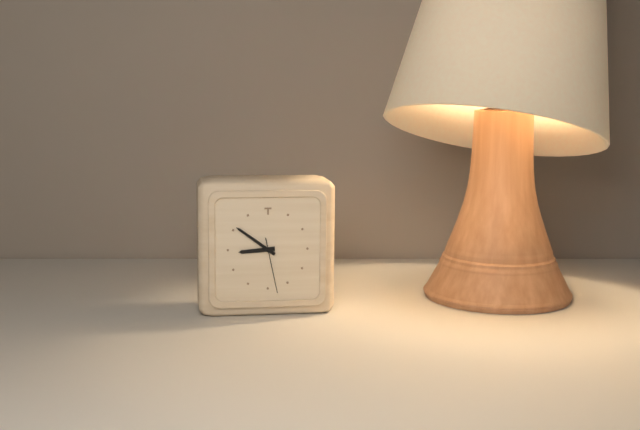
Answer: {"hour": 8, "minute": 51, "second": 28}
